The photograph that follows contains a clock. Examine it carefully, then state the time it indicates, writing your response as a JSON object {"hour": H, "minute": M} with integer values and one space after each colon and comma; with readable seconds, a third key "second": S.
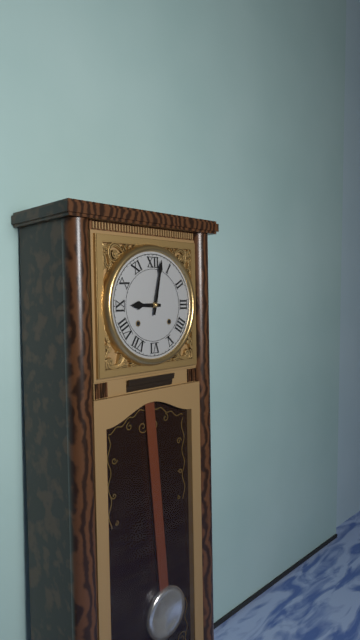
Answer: {"hour": 9, "minute": 2}
